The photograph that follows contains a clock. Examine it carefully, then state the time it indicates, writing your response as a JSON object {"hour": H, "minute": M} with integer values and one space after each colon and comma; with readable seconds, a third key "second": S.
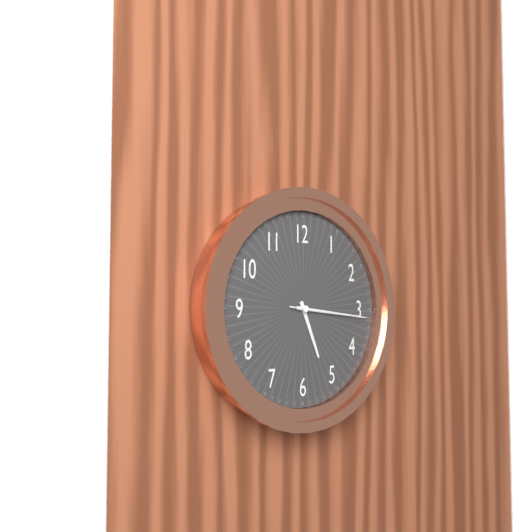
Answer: {"hour": 5, "minute": 16, "second": 16}
